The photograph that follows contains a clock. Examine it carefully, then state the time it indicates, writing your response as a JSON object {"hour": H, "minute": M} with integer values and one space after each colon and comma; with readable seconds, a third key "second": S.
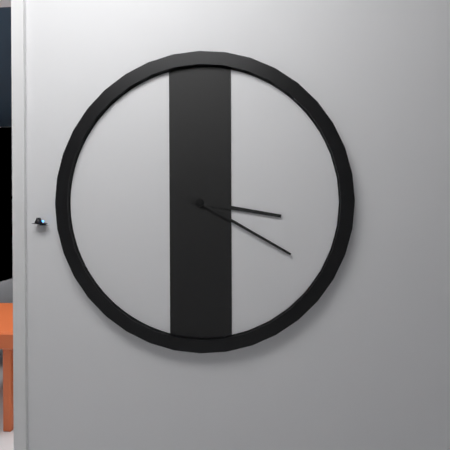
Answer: {"hour": 3, "minute": 20}
